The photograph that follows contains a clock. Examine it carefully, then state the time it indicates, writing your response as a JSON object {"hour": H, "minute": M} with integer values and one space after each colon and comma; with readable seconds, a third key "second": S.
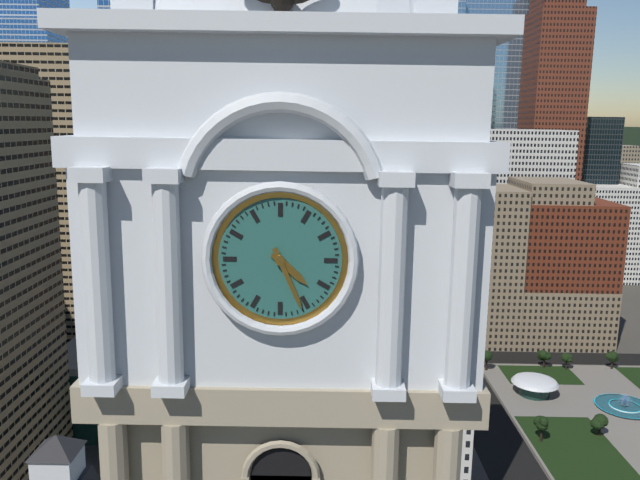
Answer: {"hour": 4, "minute": 26}
